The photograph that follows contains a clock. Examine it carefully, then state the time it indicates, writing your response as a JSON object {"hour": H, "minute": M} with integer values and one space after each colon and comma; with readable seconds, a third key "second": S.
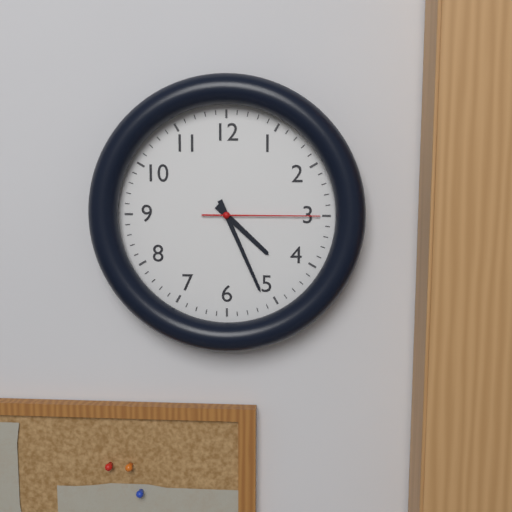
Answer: {"hour": 4, "minute": 26, "second": 15}
